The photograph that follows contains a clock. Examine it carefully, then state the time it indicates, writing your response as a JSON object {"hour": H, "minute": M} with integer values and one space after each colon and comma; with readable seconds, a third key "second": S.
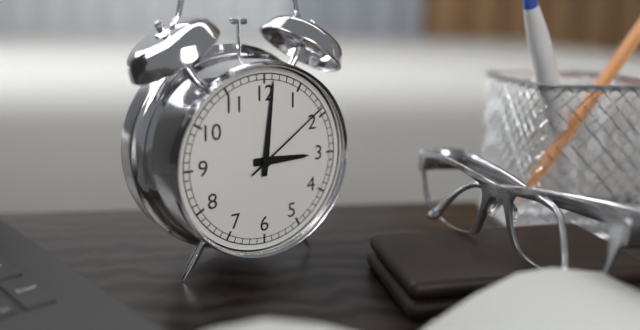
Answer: {"hour": 3, "minute": 1, "second": 9}
